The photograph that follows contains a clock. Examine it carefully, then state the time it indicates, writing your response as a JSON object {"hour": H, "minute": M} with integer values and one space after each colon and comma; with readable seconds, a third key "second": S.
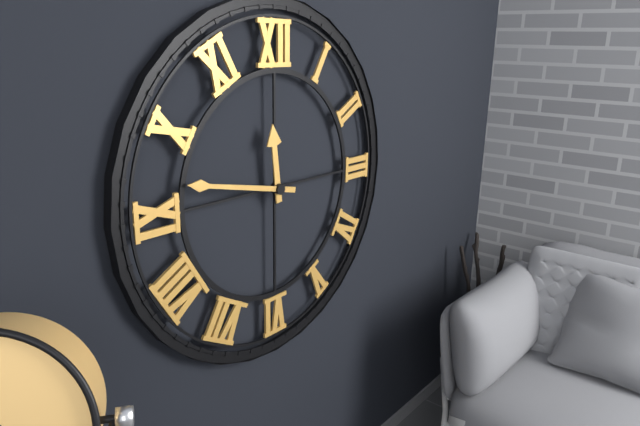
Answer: {"hour": 11, "minute": 47}
